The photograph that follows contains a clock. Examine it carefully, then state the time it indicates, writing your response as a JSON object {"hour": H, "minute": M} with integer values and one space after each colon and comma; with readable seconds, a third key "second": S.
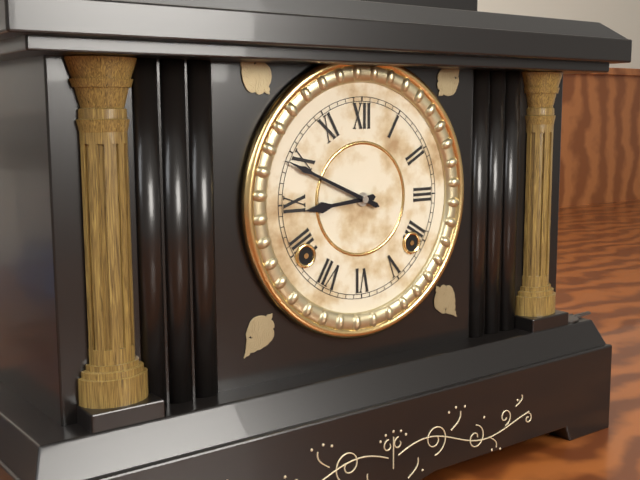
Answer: {"hour": 8, "minute": 49}
